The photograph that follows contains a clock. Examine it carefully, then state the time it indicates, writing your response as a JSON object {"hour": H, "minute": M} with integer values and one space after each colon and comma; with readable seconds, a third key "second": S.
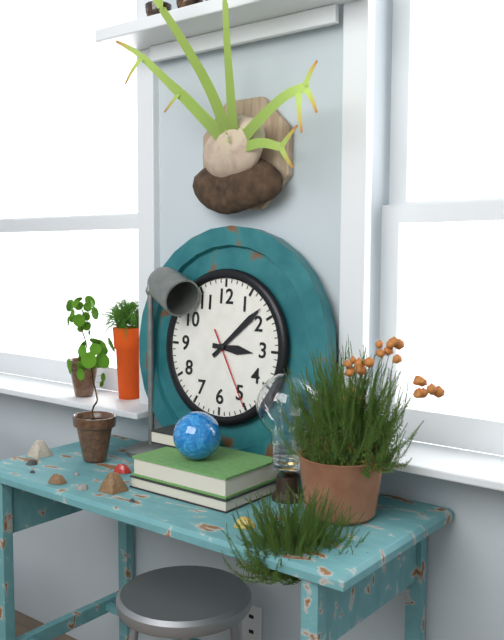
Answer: {"hour": 3, "minute": 8, "second": 25}
